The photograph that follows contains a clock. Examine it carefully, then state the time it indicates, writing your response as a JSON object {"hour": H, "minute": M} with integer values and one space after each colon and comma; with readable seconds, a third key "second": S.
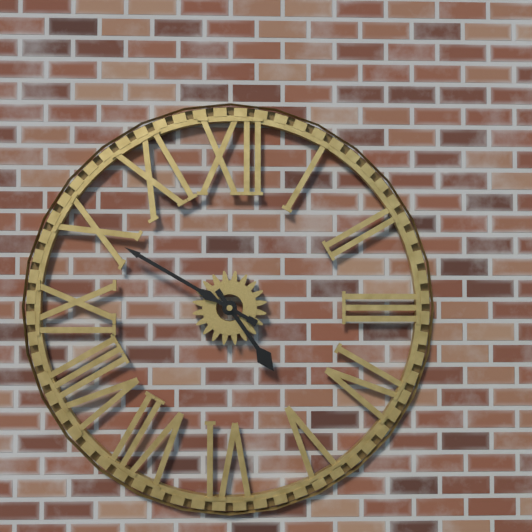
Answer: {"hour": 4, "minute": 50}
